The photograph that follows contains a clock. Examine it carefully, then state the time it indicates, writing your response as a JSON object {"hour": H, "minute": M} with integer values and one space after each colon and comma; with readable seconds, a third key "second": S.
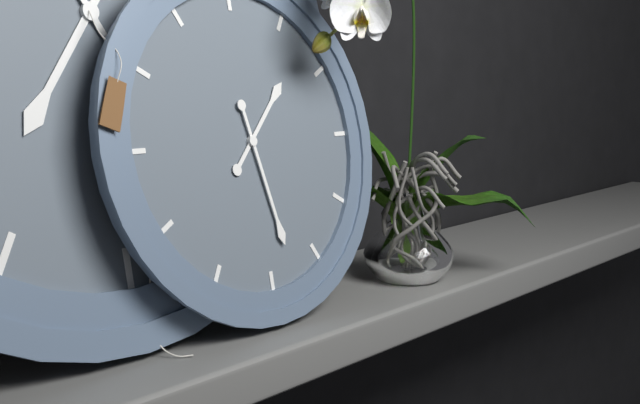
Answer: {"hour": 1, "minute": 28}
